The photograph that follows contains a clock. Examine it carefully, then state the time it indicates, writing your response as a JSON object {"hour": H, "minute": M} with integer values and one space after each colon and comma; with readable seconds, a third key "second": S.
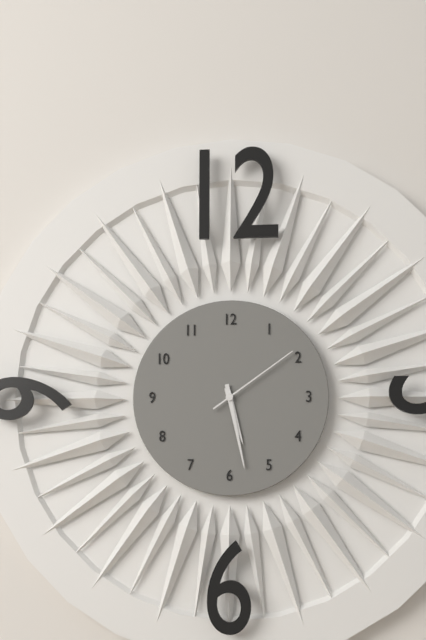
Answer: {"hour": 5, "minute": 28, "second": 9}
